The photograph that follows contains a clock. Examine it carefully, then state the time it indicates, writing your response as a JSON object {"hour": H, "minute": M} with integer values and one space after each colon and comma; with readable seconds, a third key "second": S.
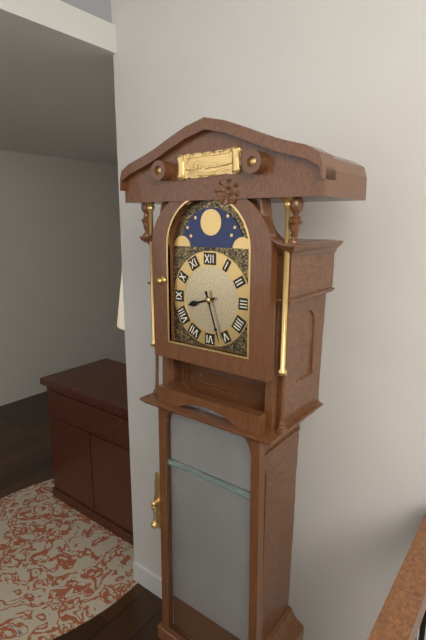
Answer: {"hour": 8, "minute": 27}
